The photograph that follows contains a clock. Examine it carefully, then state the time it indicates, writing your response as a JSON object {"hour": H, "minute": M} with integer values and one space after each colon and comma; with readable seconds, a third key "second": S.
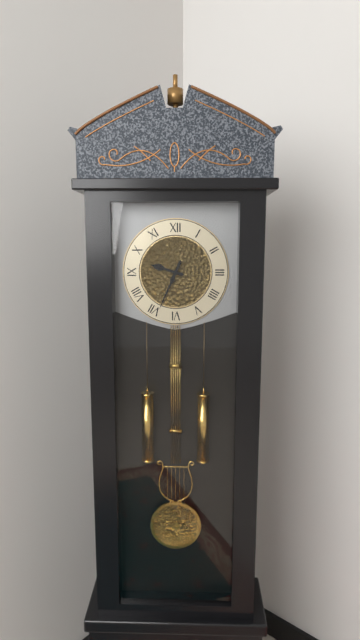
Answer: {"hour": 9, "minute": 34}
